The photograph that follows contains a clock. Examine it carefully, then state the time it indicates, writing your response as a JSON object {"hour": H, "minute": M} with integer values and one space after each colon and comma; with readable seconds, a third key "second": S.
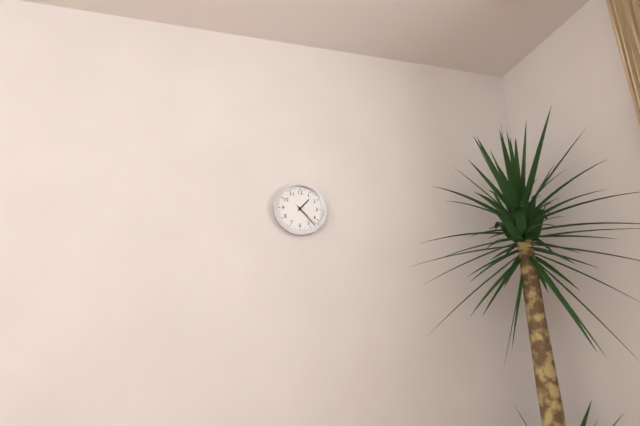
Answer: {"hour": 1, "minute": 23}
